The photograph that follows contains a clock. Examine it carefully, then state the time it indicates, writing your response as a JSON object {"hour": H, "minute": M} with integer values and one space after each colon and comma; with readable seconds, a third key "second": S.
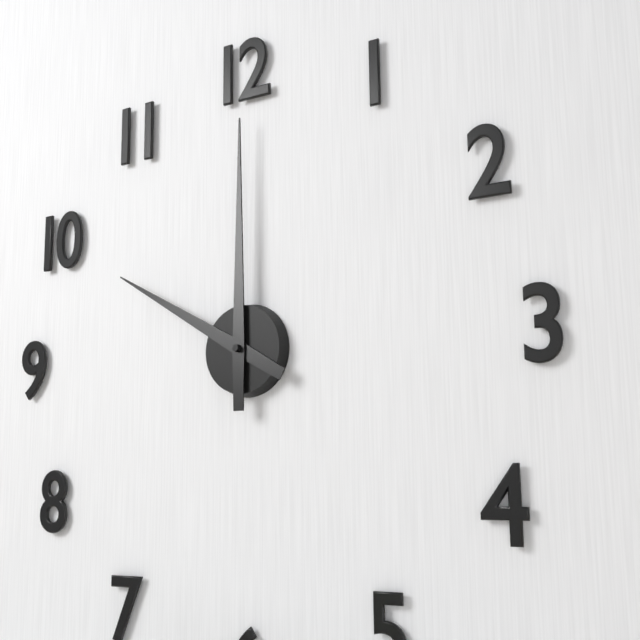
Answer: {"hour": 10, "minute": 0}
